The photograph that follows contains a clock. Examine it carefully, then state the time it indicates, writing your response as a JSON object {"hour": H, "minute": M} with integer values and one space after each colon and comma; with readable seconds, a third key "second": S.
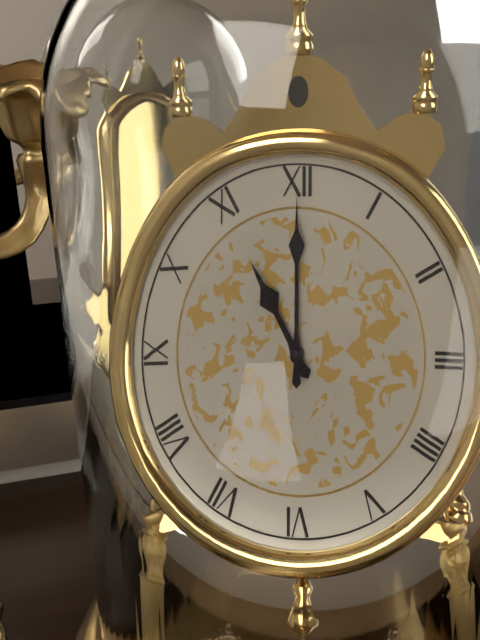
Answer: {"hour": 11, "minute": 0}
